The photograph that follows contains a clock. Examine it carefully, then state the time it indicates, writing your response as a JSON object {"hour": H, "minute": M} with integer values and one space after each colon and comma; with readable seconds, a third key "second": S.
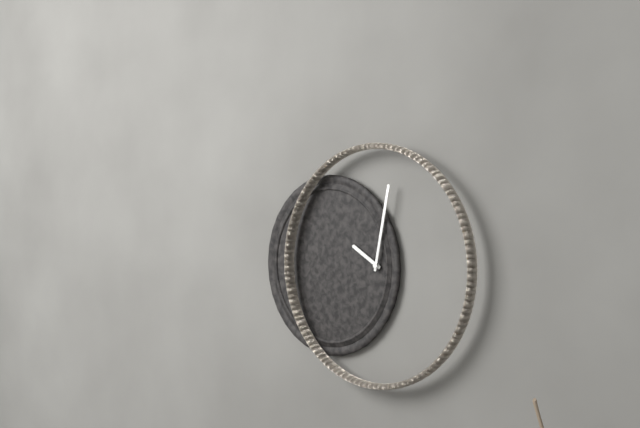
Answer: {"hour": 10, "minute": 2}
